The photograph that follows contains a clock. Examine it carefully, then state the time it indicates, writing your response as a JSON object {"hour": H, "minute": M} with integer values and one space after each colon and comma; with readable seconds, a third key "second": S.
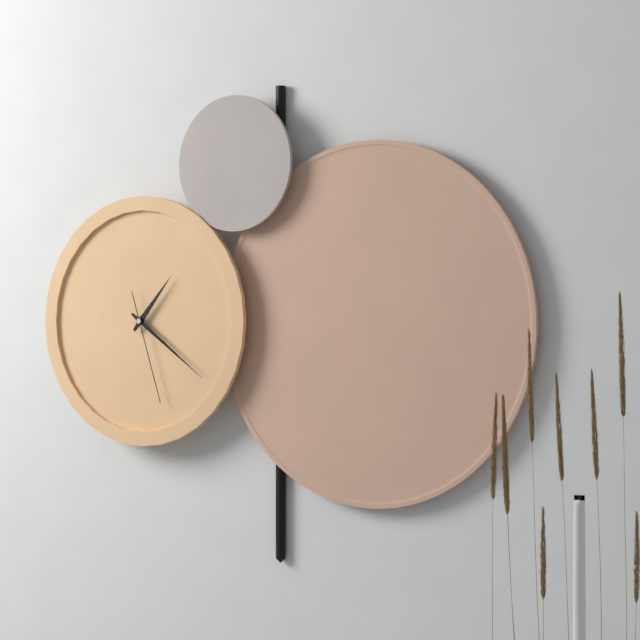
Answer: {"hour": 1, "minute": 21, "second": 27}
